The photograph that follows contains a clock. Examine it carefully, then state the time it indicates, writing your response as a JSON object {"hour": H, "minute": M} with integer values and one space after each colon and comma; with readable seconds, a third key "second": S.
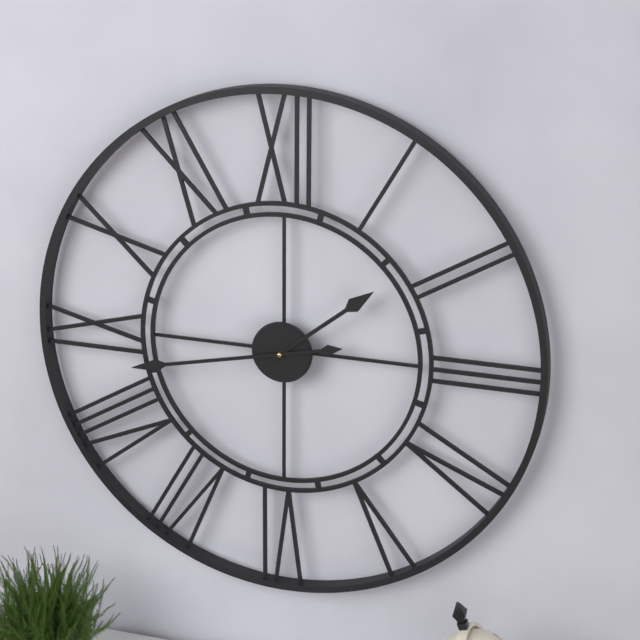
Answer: {"hour": 1, "minute": 43}
